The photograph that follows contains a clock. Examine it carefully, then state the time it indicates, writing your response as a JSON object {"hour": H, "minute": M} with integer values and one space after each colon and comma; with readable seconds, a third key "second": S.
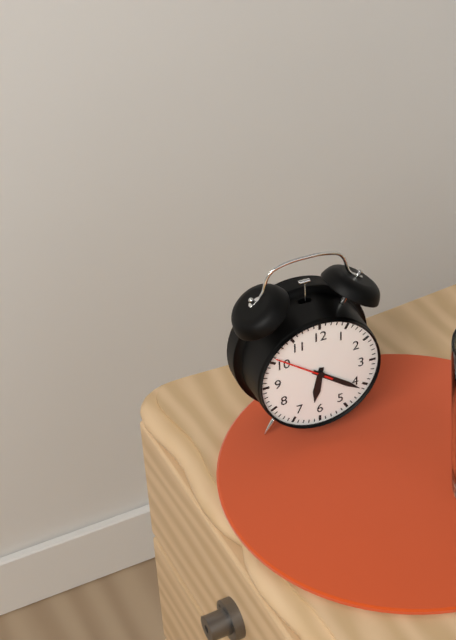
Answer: {"hour": 6, "minute": 21, "second": 51}
